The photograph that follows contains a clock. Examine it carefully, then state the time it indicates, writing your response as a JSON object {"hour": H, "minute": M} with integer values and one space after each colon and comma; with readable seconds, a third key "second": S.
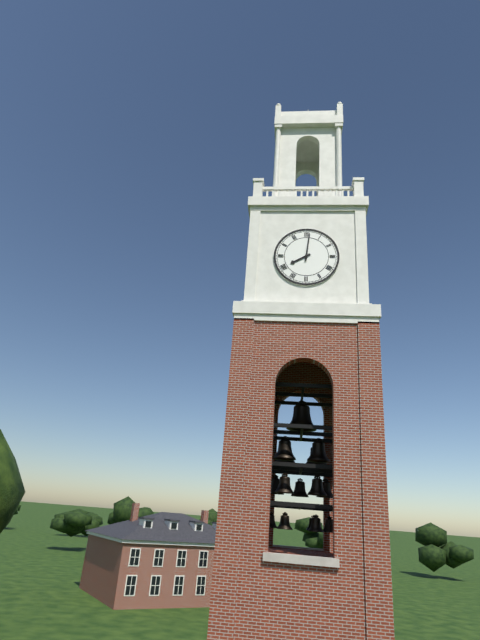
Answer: {"hour": 8, "minute": 1}
